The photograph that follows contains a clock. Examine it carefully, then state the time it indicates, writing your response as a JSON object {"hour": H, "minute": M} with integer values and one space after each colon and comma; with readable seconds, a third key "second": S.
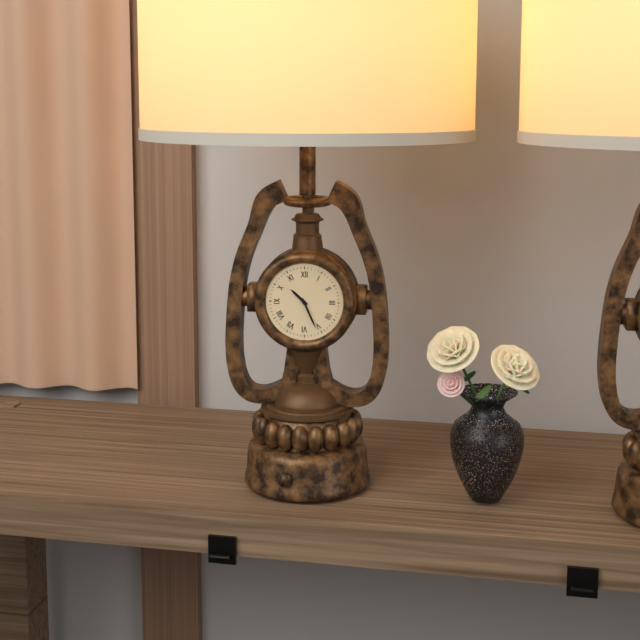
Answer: {"hour": 10, "minute": 26}
